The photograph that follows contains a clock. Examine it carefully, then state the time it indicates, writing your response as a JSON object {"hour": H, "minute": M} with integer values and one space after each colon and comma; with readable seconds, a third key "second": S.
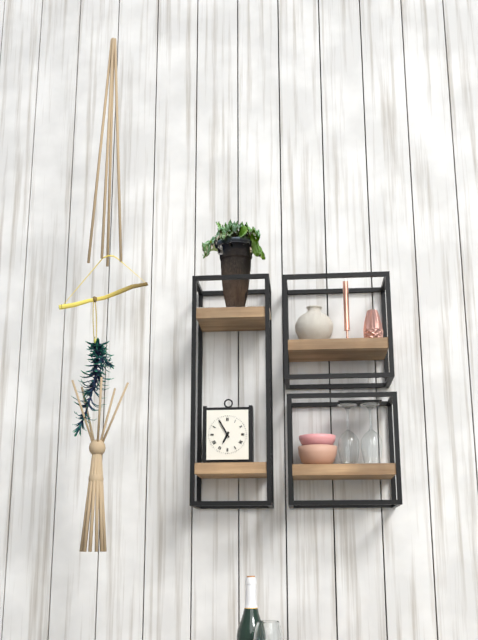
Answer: {"hour": 6, "minute": 55}
